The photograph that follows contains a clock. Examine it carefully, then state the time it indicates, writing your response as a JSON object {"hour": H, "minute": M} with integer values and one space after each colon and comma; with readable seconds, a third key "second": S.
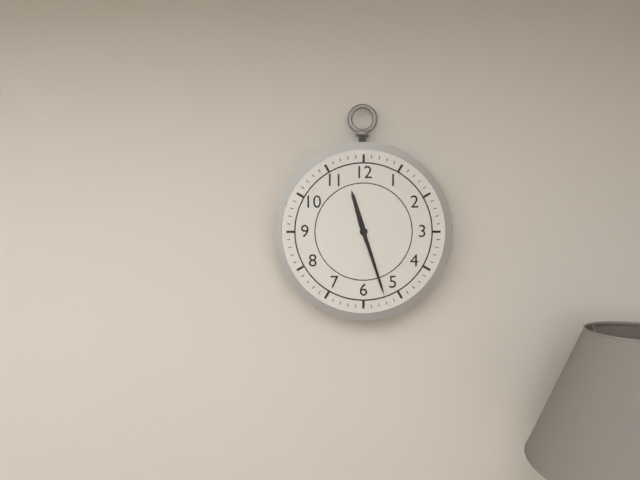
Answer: {"hour": 11, "minute": 27}
